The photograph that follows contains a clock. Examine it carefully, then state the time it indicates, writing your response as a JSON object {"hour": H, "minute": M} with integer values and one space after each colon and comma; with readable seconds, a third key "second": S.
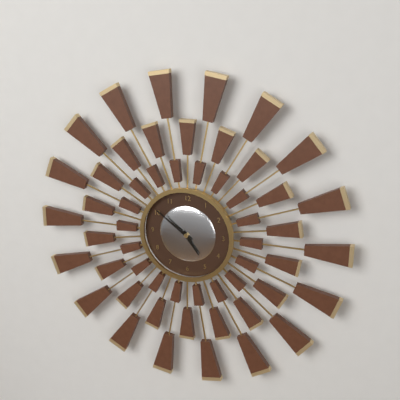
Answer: {"hour": 4, "minute": 51}
